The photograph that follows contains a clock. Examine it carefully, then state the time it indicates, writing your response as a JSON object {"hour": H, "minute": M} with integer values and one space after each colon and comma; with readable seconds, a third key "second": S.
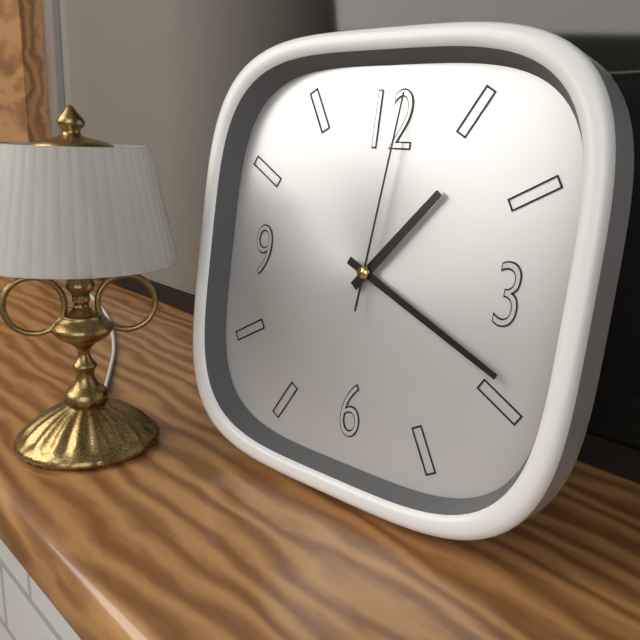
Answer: {"hour": 1, "minute": 19, "second": 1}
